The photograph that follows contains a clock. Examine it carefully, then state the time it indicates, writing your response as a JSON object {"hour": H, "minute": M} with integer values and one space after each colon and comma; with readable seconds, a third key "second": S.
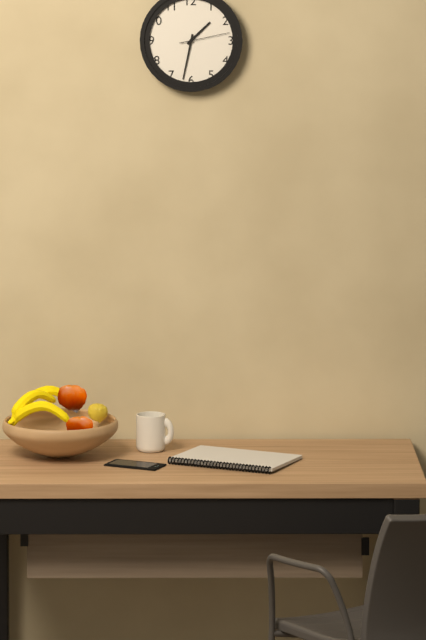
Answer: {"hour": 1, "minute": 32}
